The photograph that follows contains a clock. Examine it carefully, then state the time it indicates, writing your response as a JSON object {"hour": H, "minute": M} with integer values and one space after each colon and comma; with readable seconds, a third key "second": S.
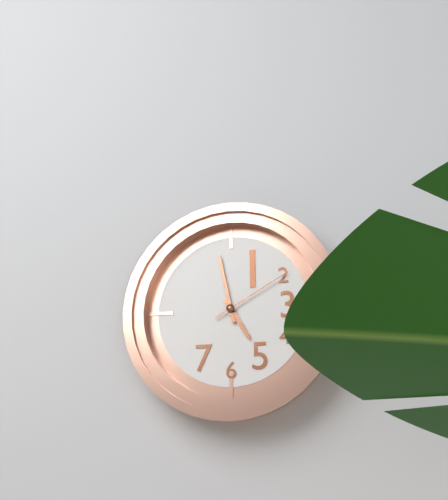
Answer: {"hour": 4, "minute": 58, "second": 10}
